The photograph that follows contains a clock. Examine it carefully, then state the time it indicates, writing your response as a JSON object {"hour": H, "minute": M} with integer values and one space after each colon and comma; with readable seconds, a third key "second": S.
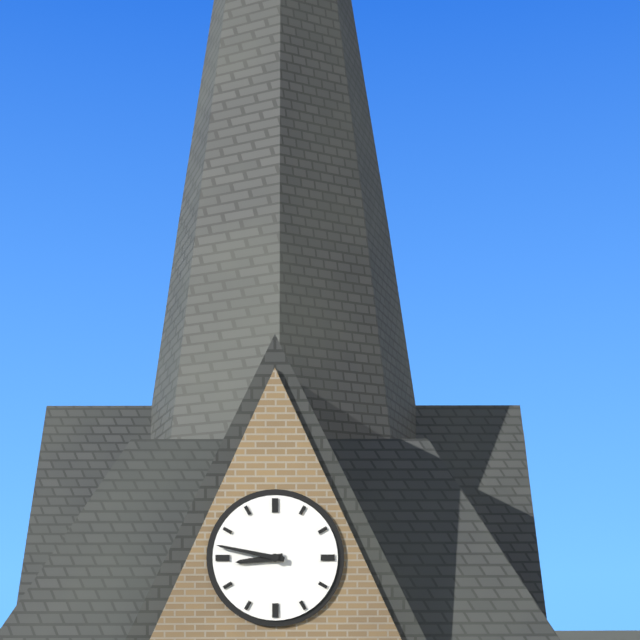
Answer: {"hour": 8, "minute": 47}
